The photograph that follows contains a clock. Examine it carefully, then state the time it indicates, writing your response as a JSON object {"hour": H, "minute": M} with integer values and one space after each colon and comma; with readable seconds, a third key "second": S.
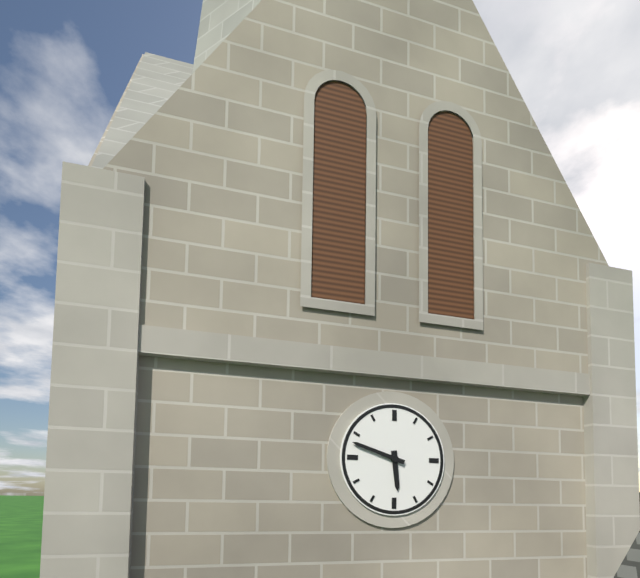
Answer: {"hour": 5, "minute": 48}
